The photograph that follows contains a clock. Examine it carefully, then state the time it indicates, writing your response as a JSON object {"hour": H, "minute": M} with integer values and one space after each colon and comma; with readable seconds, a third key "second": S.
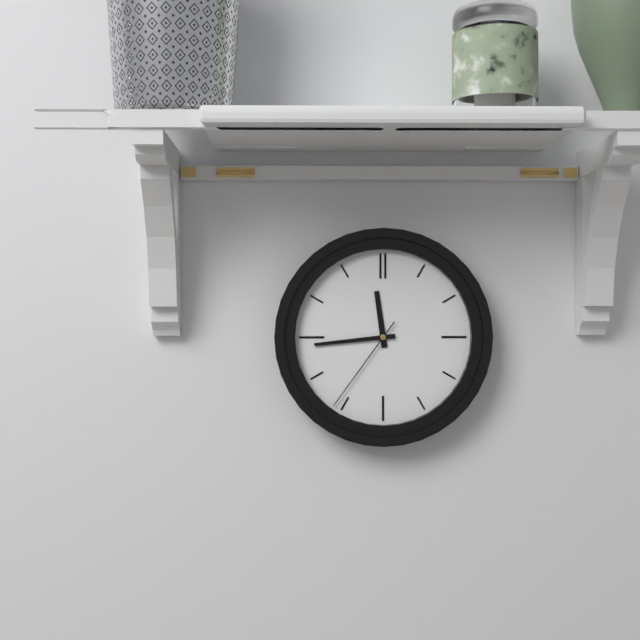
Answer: {"hour": 11, "minute": 44, "second": 36}
